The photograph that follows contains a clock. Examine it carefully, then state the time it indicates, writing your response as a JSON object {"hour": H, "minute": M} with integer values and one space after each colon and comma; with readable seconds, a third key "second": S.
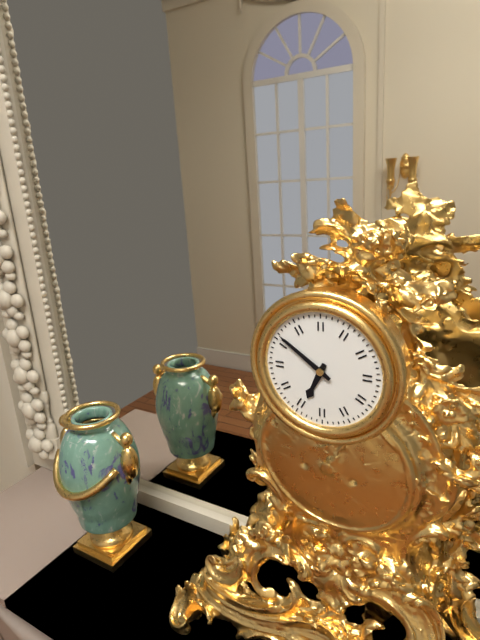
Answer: {"hour": 6, "minute": 51}
